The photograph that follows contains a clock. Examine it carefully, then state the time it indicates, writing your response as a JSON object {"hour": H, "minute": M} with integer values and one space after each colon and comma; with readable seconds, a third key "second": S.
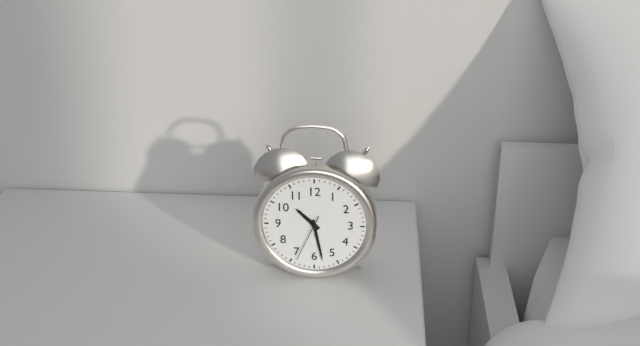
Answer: {"hour": 10, "minute": 28}
